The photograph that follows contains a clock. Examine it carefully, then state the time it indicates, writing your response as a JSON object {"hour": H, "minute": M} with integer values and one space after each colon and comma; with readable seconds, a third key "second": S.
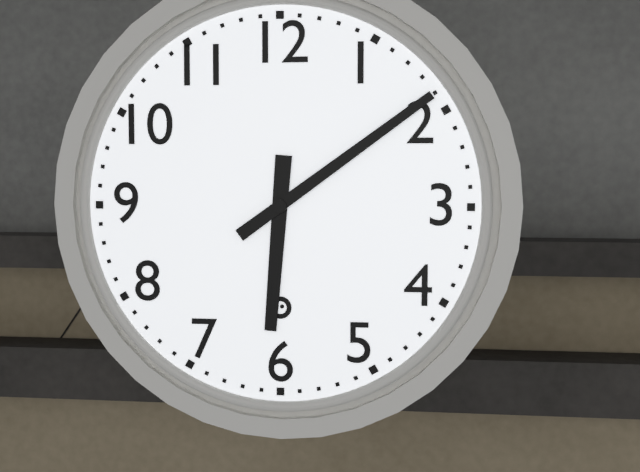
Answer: {"hour": 6, "minute": 9}
